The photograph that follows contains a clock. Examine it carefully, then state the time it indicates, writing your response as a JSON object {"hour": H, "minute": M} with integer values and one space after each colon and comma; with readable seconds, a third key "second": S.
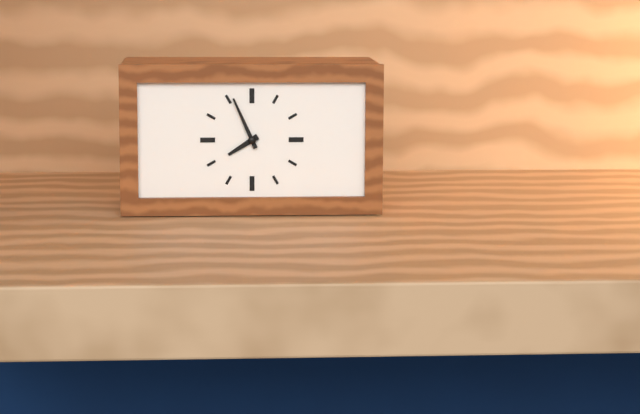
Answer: {"hour": 7, "minute": 56}
